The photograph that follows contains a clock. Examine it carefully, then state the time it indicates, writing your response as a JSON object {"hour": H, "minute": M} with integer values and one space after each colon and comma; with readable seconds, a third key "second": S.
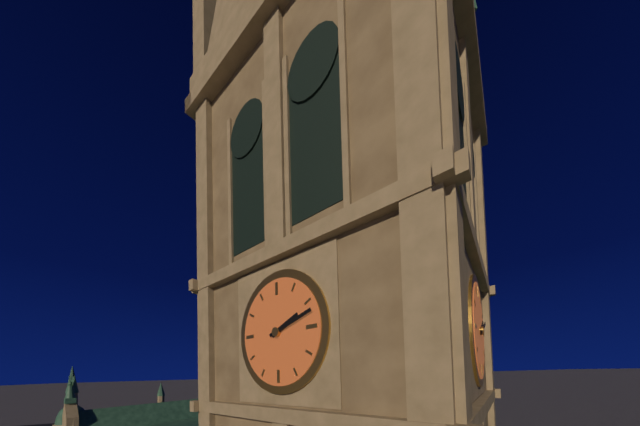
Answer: {"hour": 2, "minute": 12}
